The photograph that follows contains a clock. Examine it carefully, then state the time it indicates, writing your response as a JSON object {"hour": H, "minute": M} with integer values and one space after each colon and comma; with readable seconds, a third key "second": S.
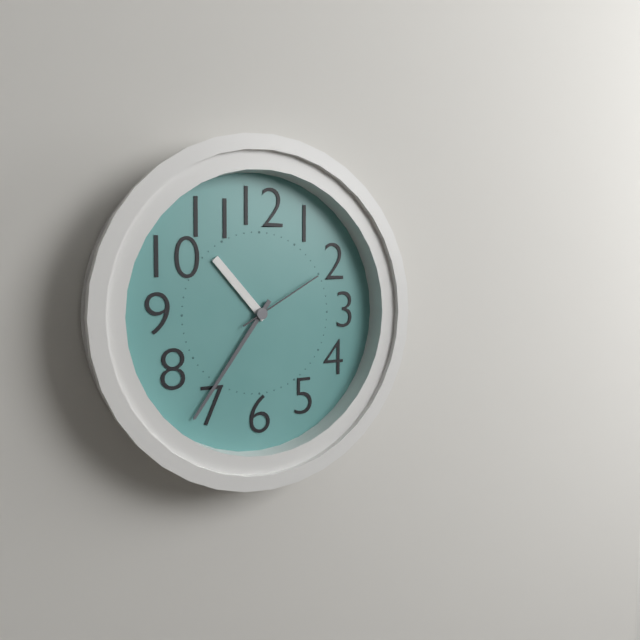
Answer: {"hour": 10, "minute": 36, "second": 10}
